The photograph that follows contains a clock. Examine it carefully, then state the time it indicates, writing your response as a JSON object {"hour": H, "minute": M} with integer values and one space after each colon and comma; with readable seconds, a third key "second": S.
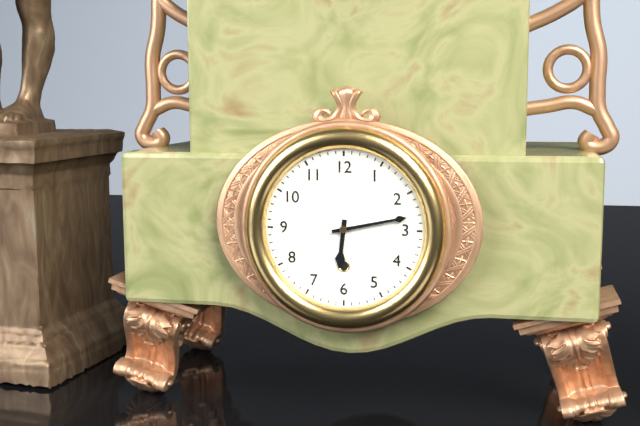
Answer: {"hour": 6, "minute": 13}
